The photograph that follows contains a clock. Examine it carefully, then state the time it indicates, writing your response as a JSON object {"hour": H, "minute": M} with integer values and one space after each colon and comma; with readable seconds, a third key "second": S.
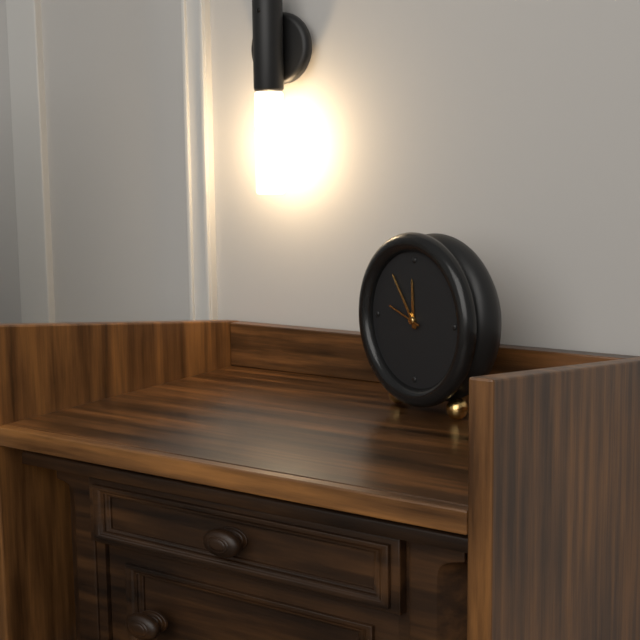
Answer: {"hour": 11, "minute": 54}
